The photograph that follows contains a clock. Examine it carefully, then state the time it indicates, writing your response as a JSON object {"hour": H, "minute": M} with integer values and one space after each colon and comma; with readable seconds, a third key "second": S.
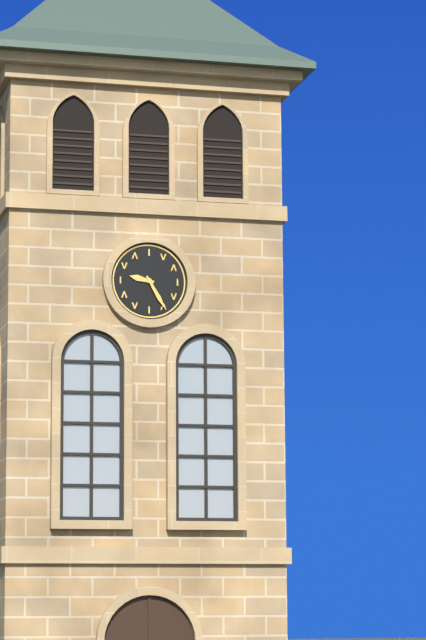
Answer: {"hour": 9, "minute": 25}
